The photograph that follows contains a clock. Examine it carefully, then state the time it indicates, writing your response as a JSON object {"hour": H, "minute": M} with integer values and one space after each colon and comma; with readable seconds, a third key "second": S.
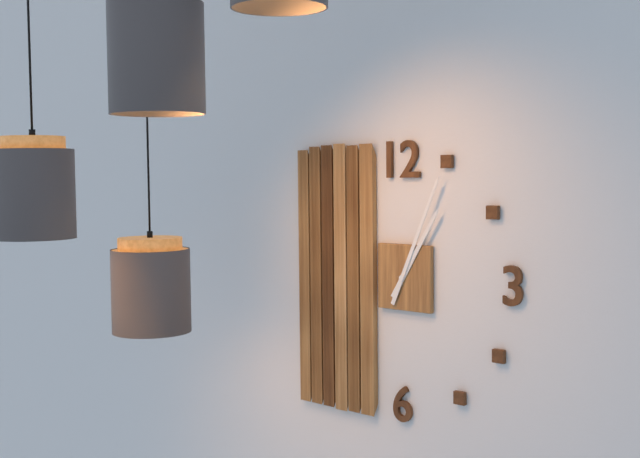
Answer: {"hour": 1, "minute": 4}
